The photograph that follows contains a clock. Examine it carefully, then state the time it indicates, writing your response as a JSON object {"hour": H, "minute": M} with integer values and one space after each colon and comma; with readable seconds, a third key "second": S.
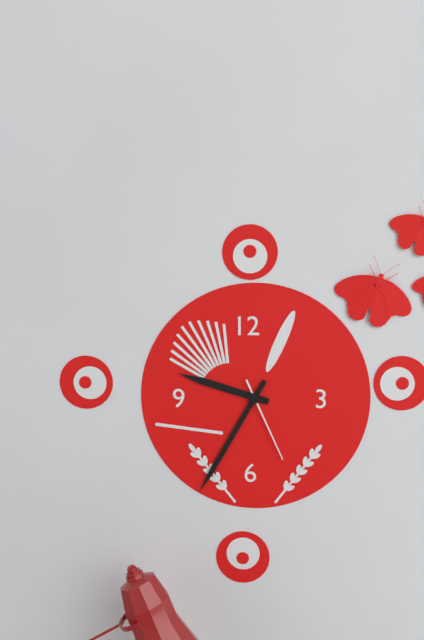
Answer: {"hour": 9, "minute": 35, "second": 26}
